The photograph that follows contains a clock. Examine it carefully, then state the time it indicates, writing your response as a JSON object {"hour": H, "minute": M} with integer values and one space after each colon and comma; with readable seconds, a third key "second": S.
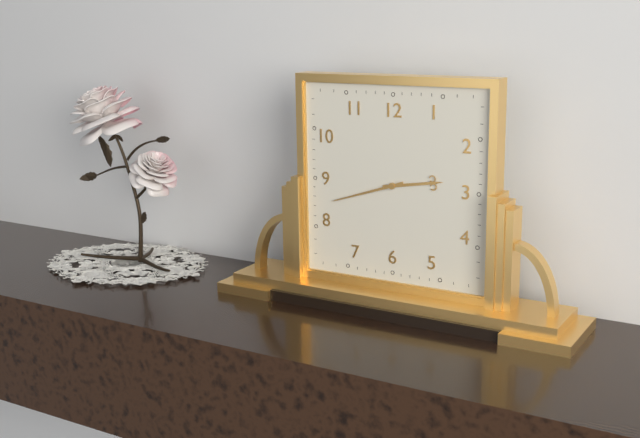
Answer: {"hour": 2, "minute": 42}
